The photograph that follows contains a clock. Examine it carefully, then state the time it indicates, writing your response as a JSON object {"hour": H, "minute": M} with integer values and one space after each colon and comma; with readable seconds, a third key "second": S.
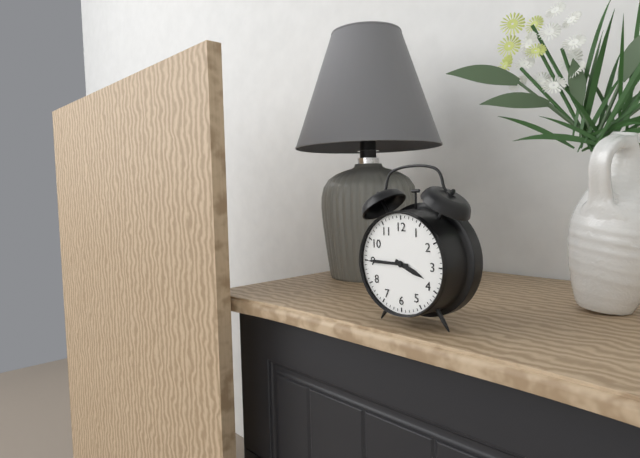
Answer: {"hour": 3, "minute": 45}
